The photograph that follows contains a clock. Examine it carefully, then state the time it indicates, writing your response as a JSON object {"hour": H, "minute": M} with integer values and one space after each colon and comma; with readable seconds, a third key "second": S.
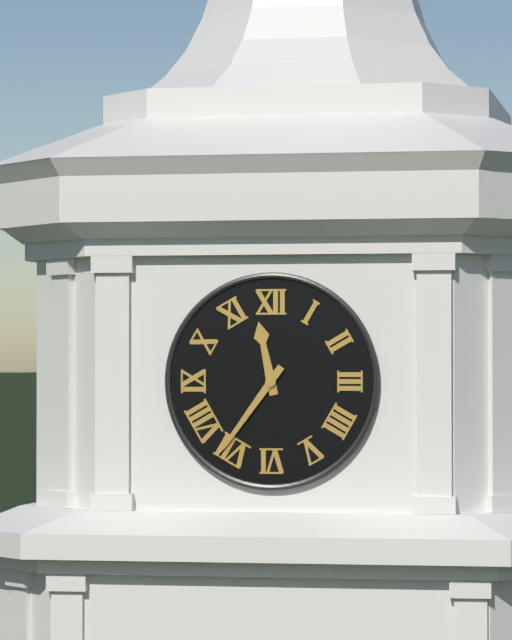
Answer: {"hour": 11, "minute": 36}
